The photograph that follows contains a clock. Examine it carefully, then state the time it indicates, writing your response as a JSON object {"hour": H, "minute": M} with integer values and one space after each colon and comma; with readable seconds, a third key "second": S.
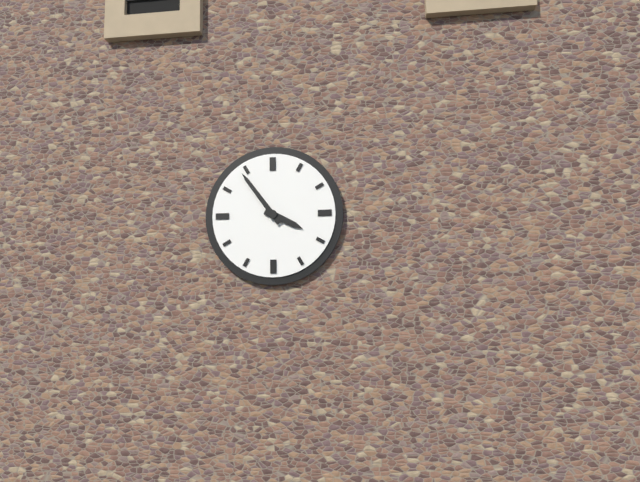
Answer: {"hour": 3, "minute": 54}
